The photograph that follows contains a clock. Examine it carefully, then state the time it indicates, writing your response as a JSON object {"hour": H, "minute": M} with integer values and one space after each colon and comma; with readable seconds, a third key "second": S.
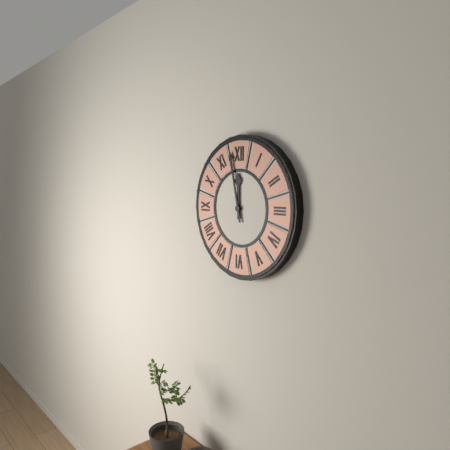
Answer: {"hour": 11, "minute": 58}
